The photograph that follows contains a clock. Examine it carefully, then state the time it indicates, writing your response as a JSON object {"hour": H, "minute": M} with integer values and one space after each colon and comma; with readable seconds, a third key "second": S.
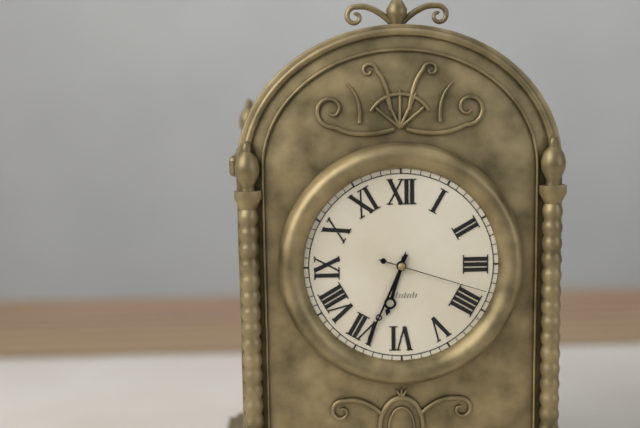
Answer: {"hour": 6, "minute": 34, "second": 18}
